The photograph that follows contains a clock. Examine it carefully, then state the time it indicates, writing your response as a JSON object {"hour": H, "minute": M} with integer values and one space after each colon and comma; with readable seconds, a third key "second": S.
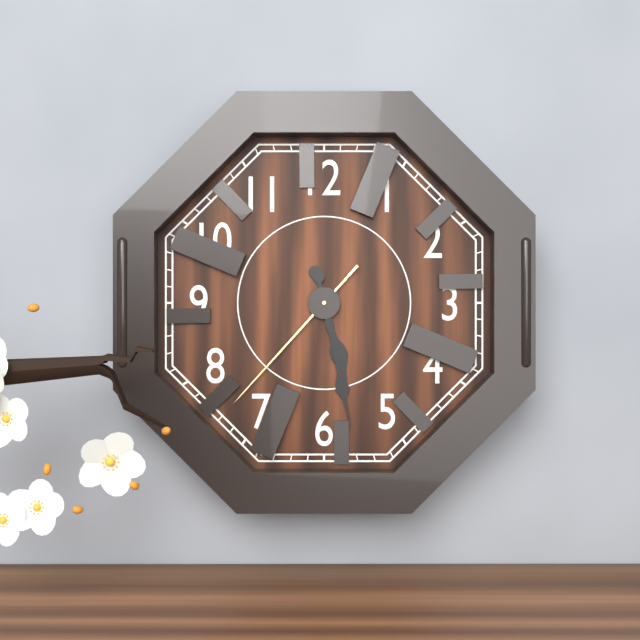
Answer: {"hour": 5, "minute": 28, "second": 37}
